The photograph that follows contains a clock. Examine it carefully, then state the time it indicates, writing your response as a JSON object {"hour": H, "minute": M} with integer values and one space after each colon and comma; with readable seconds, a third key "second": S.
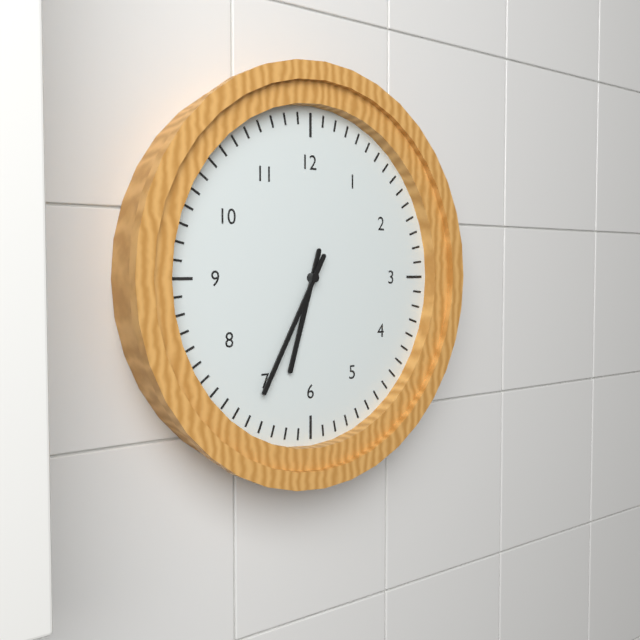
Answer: {"hour": 6, "minute": 35}
